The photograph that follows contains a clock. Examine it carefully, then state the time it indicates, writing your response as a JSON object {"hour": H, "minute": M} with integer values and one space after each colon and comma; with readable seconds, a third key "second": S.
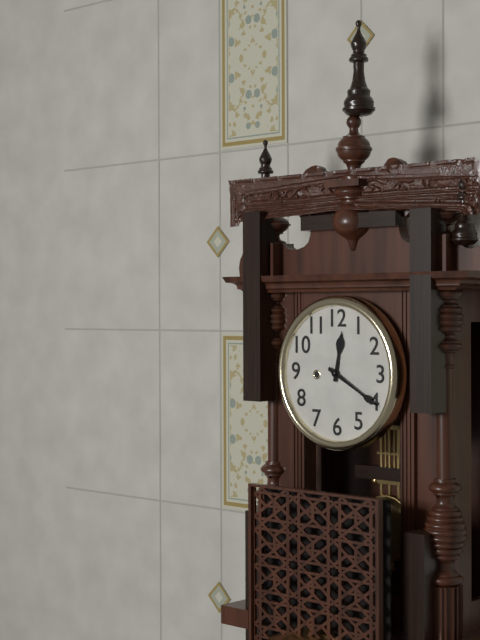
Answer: {"hour": 12, "minute": 20}
